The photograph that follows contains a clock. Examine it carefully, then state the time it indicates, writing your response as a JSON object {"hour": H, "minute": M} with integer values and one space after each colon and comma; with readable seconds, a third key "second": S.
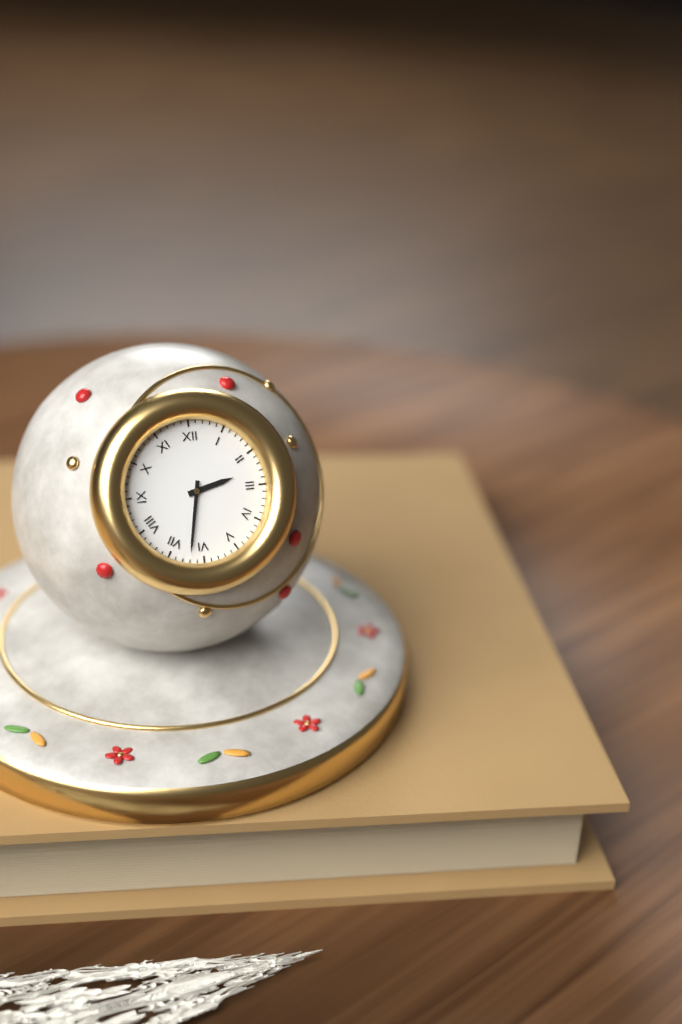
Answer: {"hour": 2, "minute": 32}
